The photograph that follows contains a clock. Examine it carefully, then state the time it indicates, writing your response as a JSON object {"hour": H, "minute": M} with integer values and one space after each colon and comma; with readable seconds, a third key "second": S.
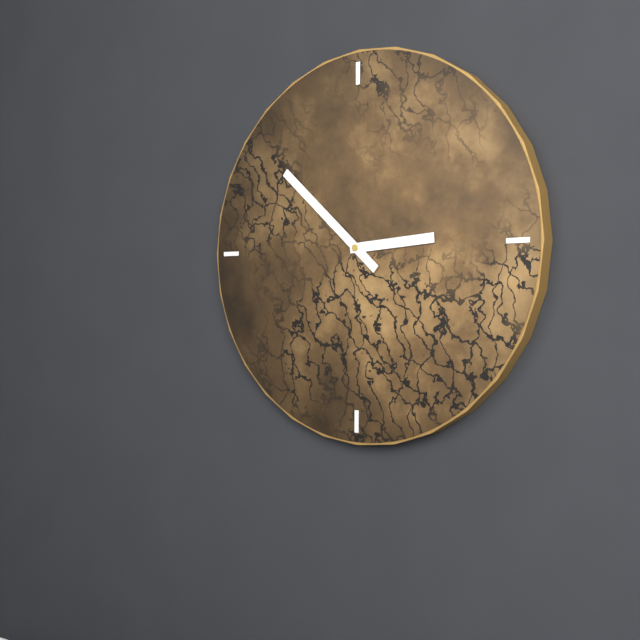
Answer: {"hour": 2, "minute": 52}
